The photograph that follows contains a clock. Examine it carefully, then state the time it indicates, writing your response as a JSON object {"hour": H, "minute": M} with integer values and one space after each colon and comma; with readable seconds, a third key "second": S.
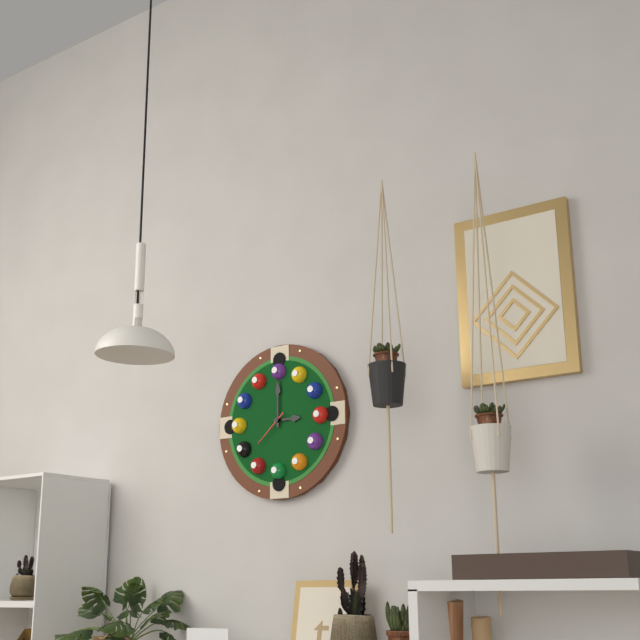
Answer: {"hour": 3, "minute": 0}
